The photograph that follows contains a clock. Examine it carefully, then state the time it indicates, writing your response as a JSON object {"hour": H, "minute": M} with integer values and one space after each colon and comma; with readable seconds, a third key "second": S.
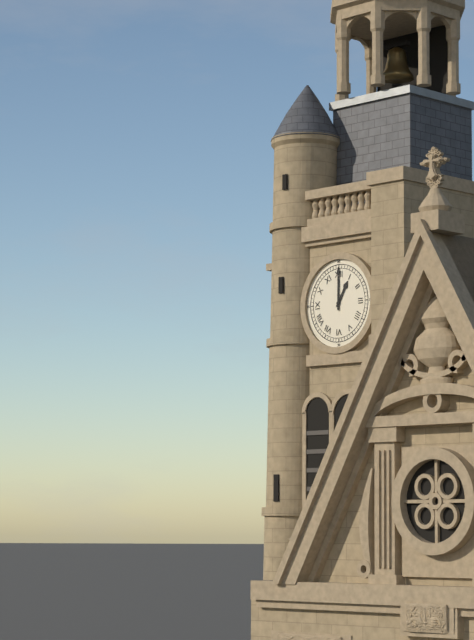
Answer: {"hour": 1, "minute": 0}
